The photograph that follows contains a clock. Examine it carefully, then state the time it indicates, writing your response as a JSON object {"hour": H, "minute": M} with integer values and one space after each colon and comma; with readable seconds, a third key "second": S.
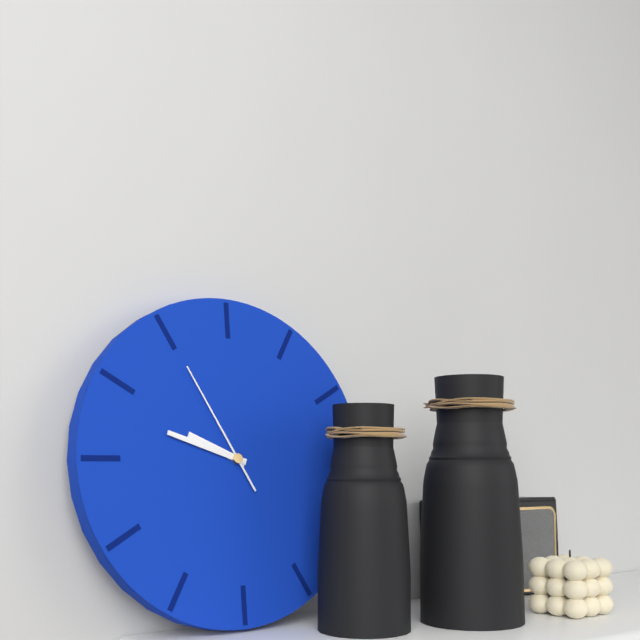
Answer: {"hour": 9, "minute": 48, "second": 55}
